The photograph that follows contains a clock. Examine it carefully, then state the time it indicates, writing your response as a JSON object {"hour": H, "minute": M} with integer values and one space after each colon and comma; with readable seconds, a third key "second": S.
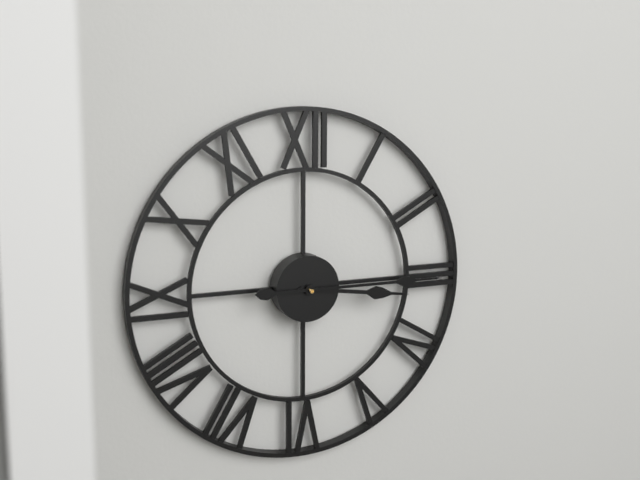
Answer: {"hour": 3, "minute": 15}
